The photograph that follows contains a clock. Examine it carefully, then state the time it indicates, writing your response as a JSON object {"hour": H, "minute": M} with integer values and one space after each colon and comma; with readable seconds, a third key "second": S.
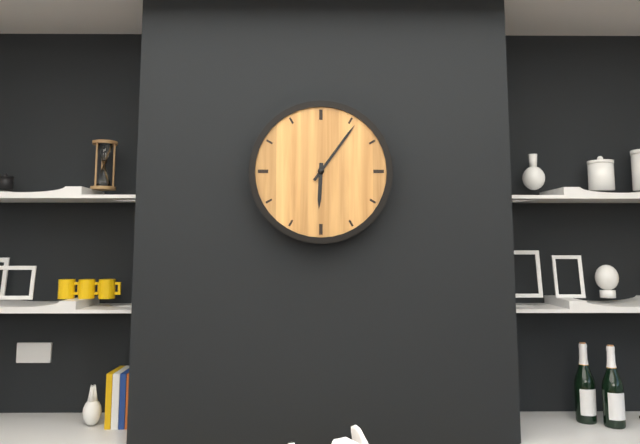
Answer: {"hour": 6, "minute": 6}
